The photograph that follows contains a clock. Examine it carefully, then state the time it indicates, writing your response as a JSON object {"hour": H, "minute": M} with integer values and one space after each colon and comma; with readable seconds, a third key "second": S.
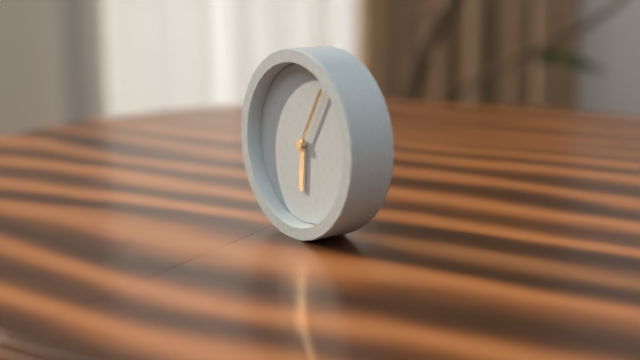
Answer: {"hour": 6, "minute": 5}
